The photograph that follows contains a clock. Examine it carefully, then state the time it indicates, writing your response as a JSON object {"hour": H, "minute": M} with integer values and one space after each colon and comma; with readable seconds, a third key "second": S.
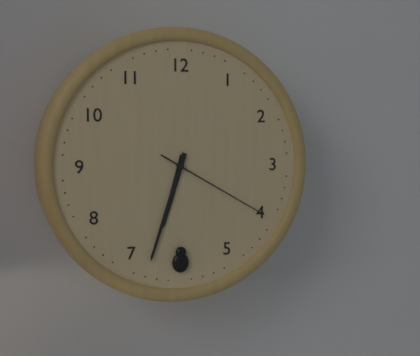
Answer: {"hour": 6, "minute": 33, "second": 20}
